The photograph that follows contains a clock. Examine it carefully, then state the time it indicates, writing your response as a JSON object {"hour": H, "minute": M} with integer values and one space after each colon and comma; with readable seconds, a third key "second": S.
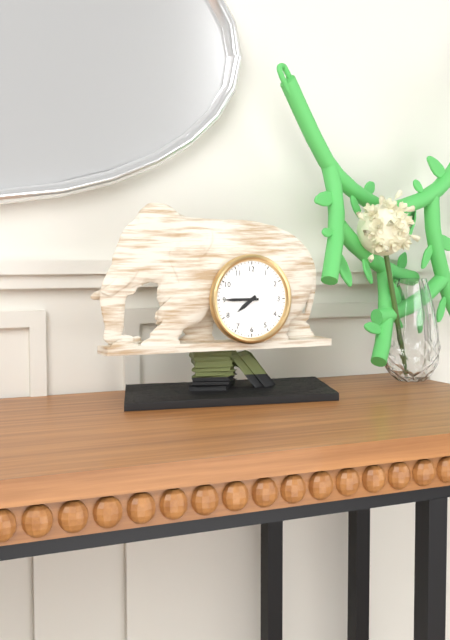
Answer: {"hour": 7, "minute": 45}
